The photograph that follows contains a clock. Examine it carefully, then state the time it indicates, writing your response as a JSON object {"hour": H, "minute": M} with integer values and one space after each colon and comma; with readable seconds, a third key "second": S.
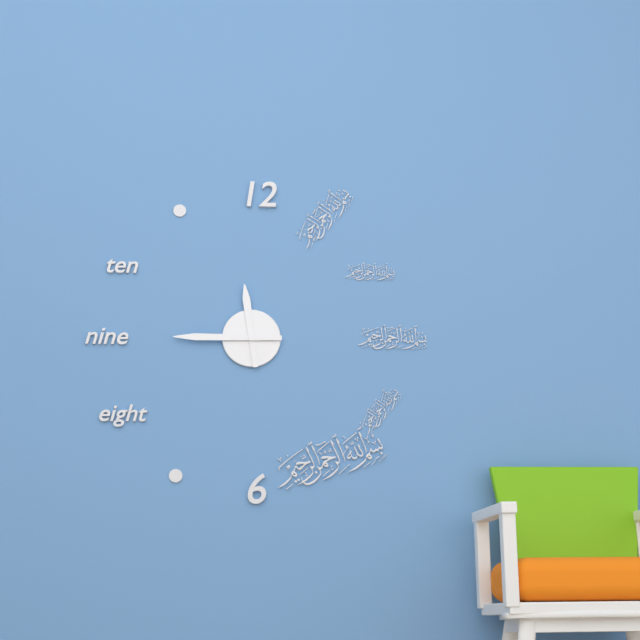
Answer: {"hour": 11, "minute": 45}
